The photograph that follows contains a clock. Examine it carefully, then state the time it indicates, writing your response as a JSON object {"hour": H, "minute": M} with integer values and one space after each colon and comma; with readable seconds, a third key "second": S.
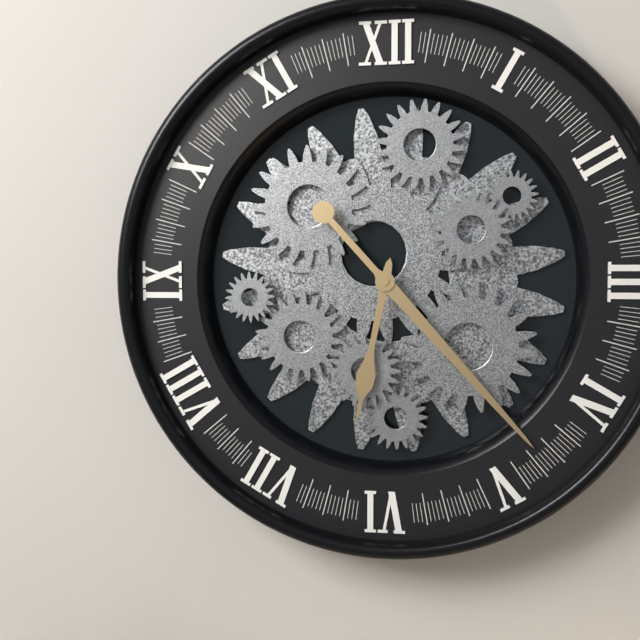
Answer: {"hour": 6, "minute": 23}
